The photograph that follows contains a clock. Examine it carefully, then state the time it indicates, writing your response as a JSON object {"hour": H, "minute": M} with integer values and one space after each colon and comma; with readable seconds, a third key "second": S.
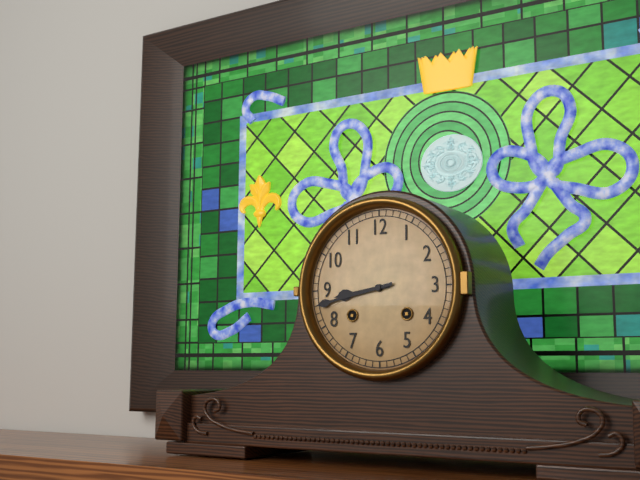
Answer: {"hour": 8, "minute": 43}
